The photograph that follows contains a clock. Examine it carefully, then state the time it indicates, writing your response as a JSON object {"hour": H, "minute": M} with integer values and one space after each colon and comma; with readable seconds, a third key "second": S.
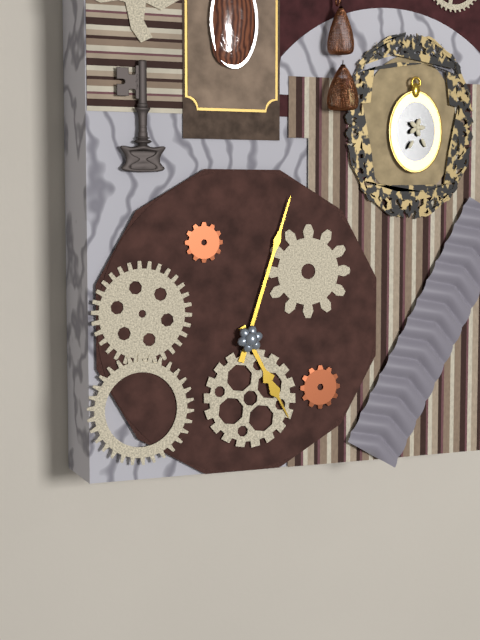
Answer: {"hour": 5, "minute": 3}
